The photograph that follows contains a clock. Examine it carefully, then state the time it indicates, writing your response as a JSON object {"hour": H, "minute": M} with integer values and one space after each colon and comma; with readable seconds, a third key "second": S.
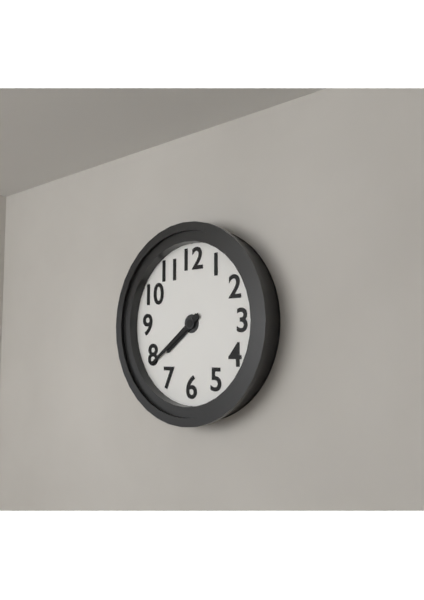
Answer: {"hour": 7, "minute": 39}
